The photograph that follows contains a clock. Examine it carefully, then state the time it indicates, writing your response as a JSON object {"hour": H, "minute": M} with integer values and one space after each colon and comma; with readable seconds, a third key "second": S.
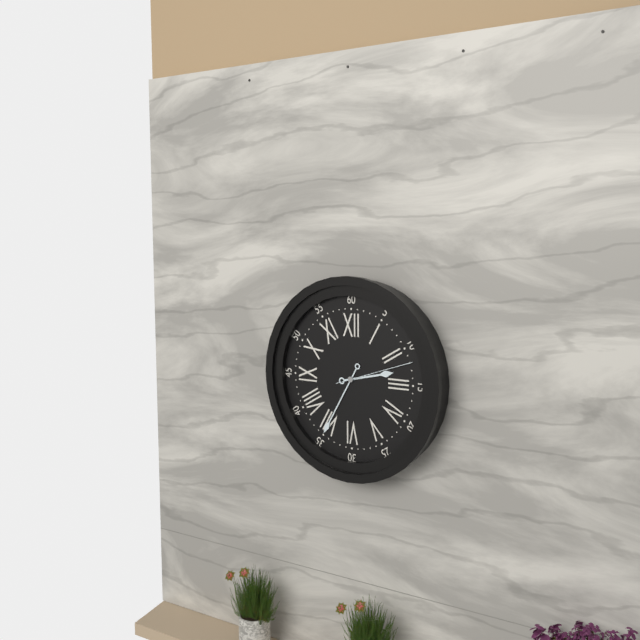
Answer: {"hour": 2, "minute": 35, "second": 12}
